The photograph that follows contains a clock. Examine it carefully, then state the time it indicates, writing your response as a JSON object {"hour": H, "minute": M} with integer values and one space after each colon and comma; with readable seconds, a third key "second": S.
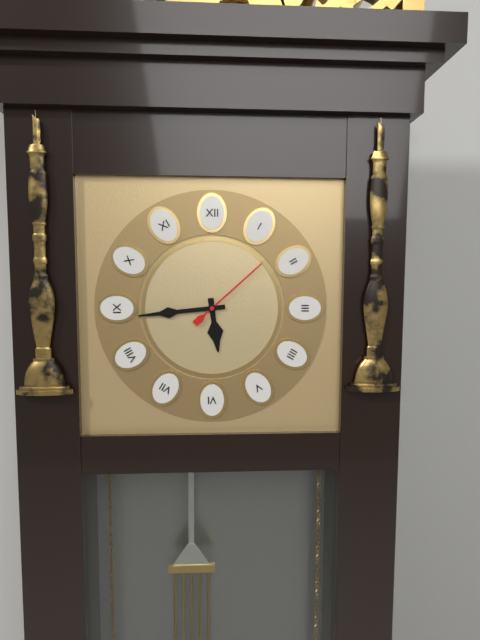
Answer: {"hour": 5, "minute": 44, "second": 8}
